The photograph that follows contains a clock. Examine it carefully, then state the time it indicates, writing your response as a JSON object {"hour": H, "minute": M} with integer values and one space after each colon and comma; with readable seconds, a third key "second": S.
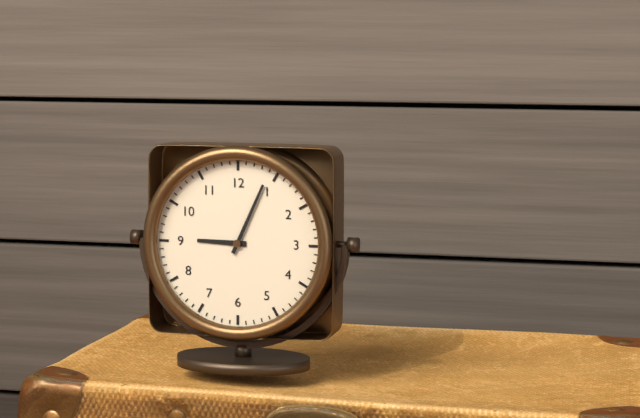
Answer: {"hour": 9, "minute": 4}
